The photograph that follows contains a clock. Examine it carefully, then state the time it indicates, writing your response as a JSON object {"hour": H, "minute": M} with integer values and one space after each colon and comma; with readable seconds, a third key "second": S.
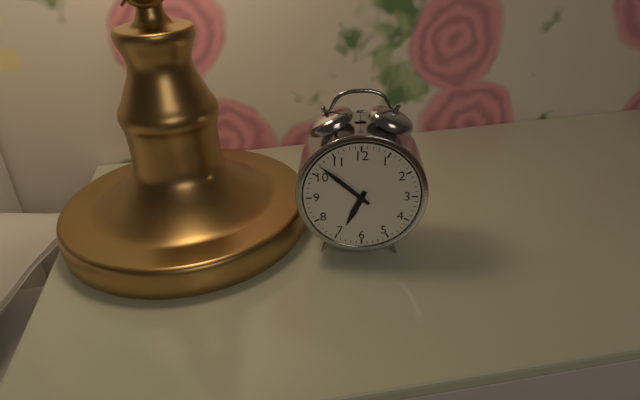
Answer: {"hour": 6, "minute": 52}
